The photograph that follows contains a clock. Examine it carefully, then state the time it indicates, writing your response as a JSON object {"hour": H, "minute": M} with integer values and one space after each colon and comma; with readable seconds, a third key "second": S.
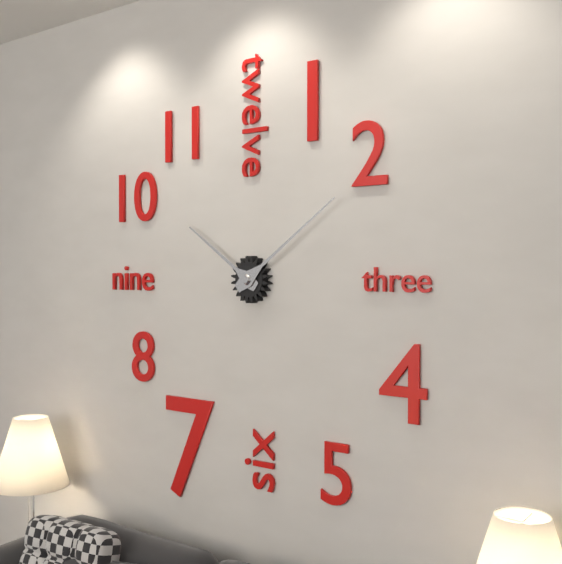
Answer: {"hour": 10, "minute": 9}
